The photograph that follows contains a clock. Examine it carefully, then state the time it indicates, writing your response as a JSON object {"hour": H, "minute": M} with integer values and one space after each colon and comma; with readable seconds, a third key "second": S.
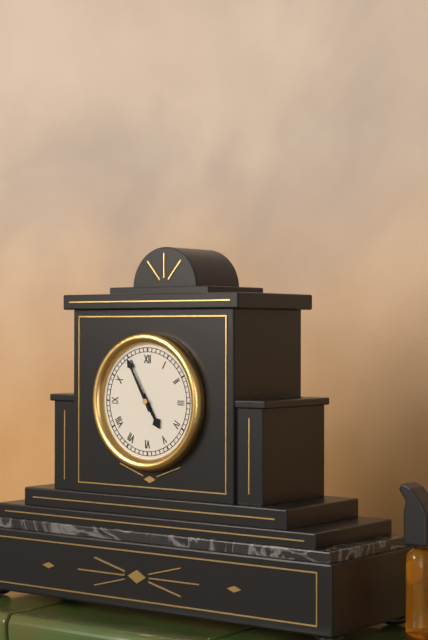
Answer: {"hour": 4, "minute": 55}
